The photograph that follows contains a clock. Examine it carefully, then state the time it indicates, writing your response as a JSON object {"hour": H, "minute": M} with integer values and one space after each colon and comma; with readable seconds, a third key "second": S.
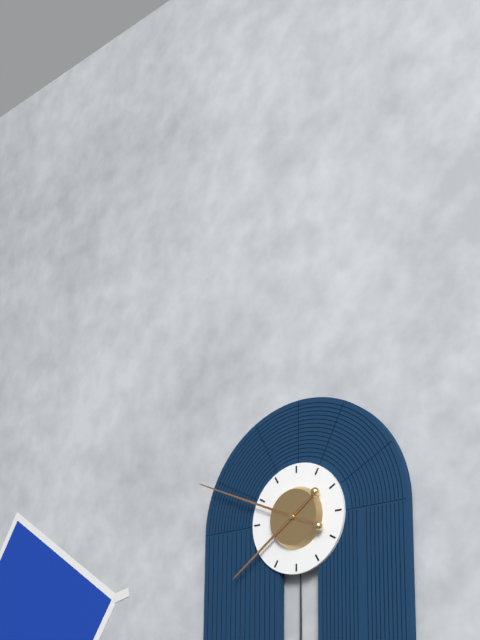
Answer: {"hour": 7, "minute": 49}
